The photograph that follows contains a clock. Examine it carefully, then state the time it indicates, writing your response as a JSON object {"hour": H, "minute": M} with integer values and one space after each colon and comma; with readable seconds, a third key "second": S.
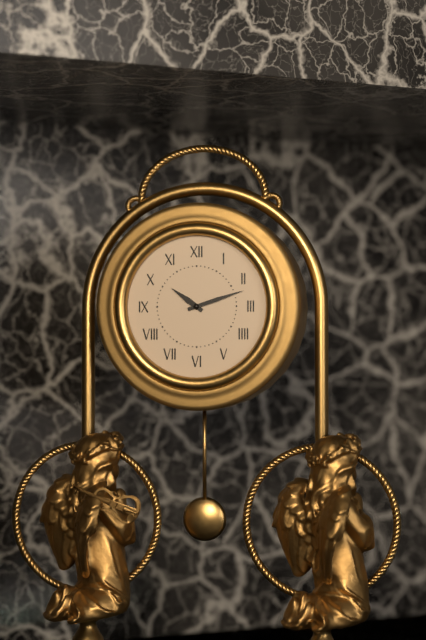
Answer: {"hour": 10, "minute": 12}
